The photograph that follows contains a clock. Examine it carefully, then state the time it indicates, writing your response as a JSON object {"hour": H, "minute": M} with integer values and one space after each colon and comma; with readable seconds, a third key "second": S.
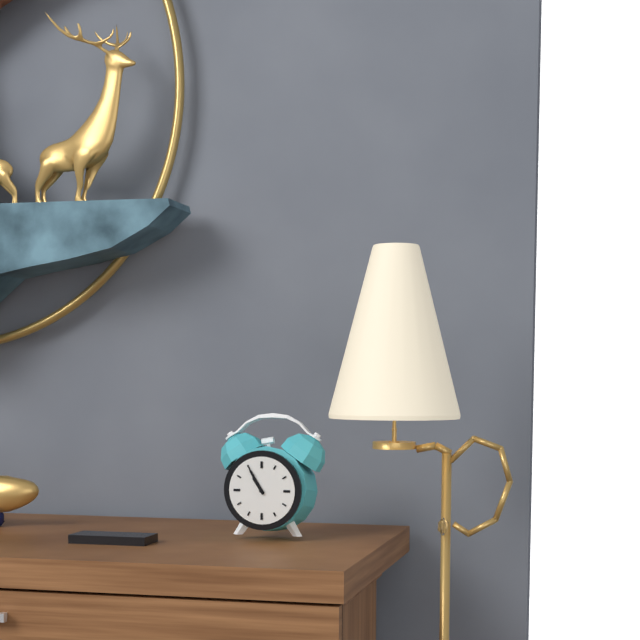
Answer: {"hour": 10, "minute": 55}
